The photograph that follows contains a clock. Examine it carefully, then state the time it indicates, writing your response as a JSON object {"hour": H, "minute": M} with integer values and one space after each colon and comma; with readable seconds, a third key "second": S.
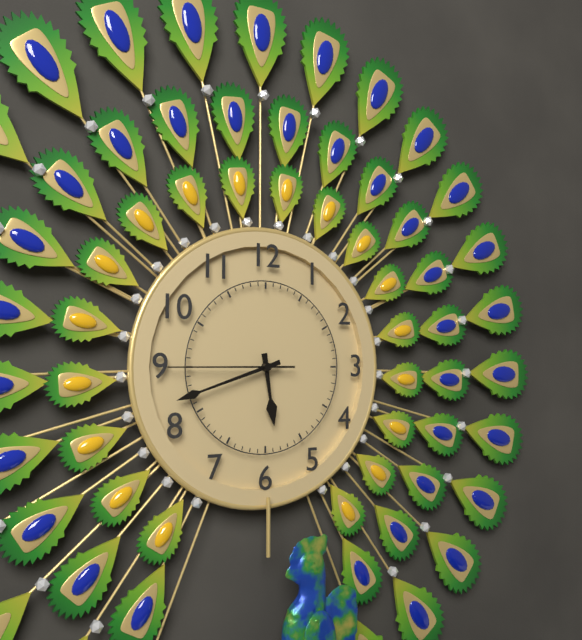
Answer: {"hour": 5, "minute": 42, "second": 45}
